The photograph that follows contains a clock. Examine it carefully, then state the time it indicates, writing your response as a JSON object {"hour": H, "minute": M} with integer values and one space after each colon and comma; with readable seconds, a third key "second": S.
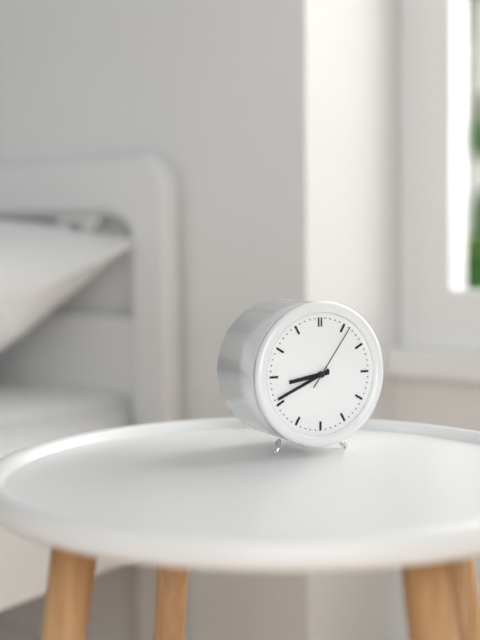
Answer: {"hour": 8, "minute": 41, "second": 6}
